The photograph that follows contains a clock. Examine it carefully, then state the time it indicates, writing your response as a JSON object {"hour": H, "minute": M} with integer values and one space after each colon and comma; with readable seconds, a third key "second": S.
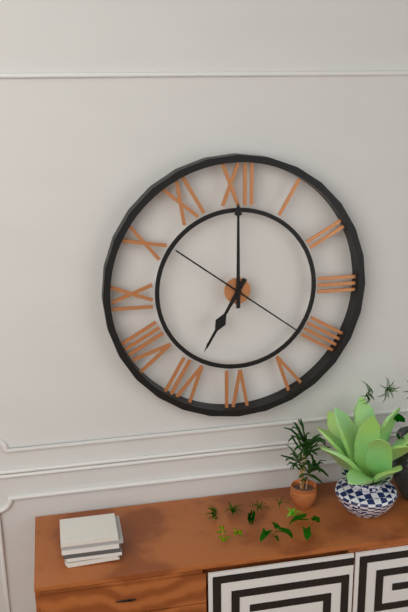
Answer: {"hour": 7, "minute": 0, "second": 21}
